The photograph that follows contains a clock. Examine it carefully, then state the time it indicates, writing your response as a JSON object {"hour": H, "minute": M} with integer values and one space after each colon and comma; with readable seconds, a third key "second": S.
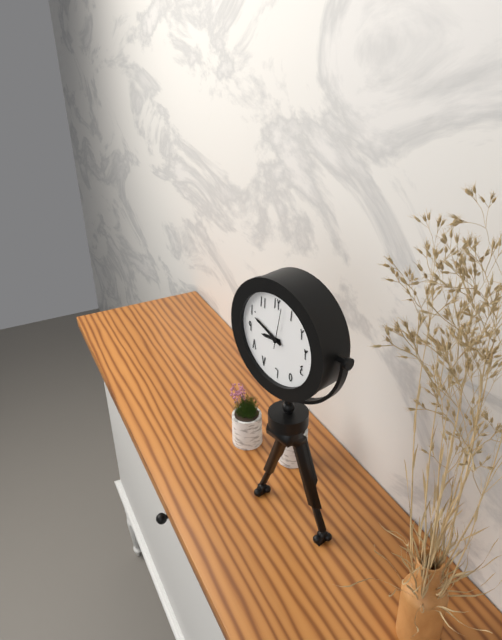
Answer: {"hour": 8, "minute": 49}
